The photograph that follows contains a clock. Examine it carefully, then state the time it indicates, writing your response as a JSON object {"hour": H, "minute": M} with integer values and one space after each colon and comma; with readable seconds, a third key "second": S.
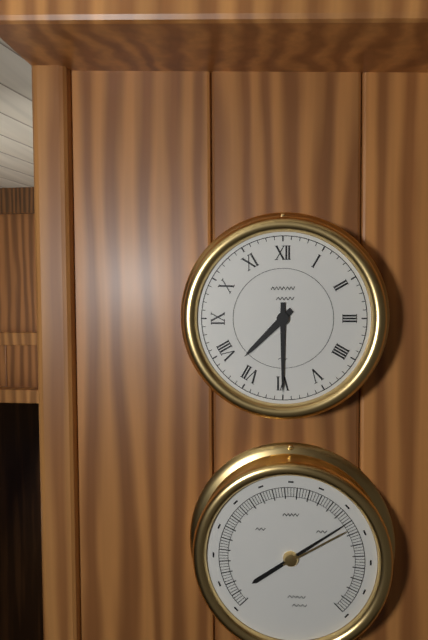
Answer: {"hour": 7, "minute": 30}
